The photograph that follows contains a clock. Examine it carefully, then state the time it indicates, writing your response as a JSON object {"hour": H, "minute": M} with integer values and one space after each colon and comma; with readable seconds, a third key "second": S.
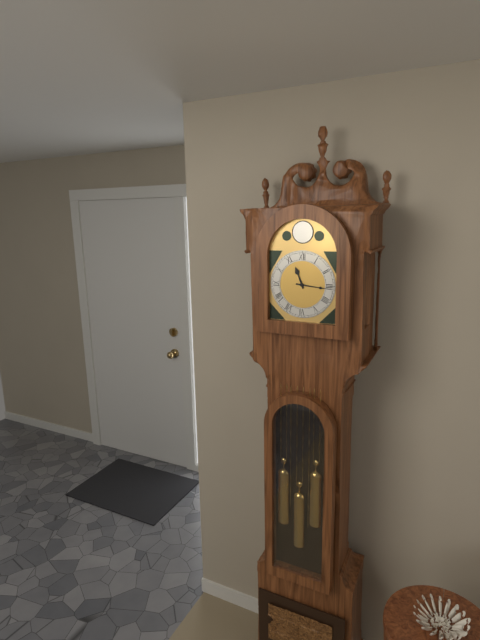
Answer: {"hour": 11, "minute": 16}
